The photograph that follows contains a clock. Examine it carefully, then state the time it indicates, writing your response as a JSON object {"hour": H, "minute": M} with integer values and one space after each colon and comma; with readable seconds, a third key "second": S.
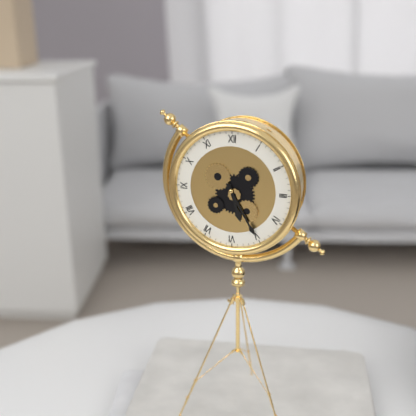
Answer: {"hour": 5, "minute": 25}
